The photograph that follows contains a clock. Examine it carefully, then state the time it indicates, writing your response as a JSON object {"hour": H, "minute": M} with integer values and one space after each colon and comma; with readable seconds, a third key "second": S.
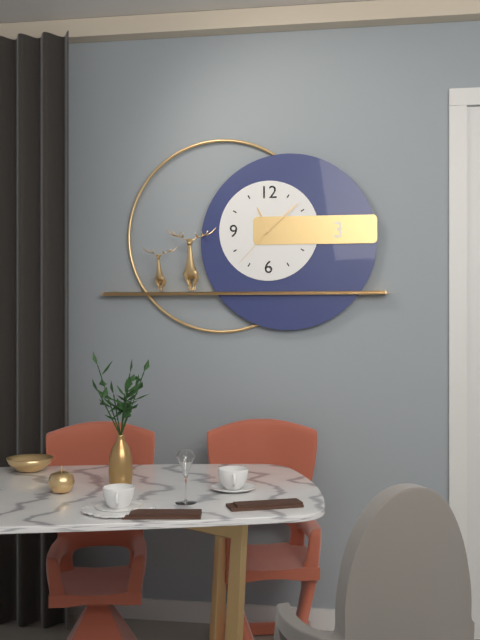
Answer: {"hour": 11, "minute": 8, "second": 37}
